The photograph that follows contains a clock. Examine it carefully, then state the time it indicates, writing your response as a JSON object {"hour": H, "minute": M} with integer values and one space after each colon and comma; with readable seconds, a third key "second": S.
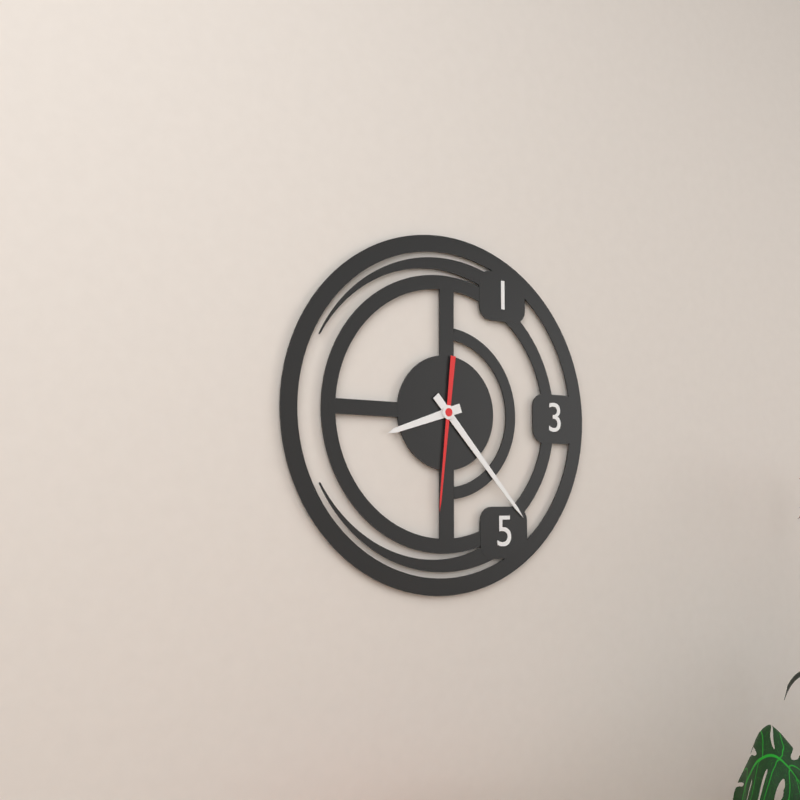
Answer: {"hour": 8, "minute": 23, "second": 31}
